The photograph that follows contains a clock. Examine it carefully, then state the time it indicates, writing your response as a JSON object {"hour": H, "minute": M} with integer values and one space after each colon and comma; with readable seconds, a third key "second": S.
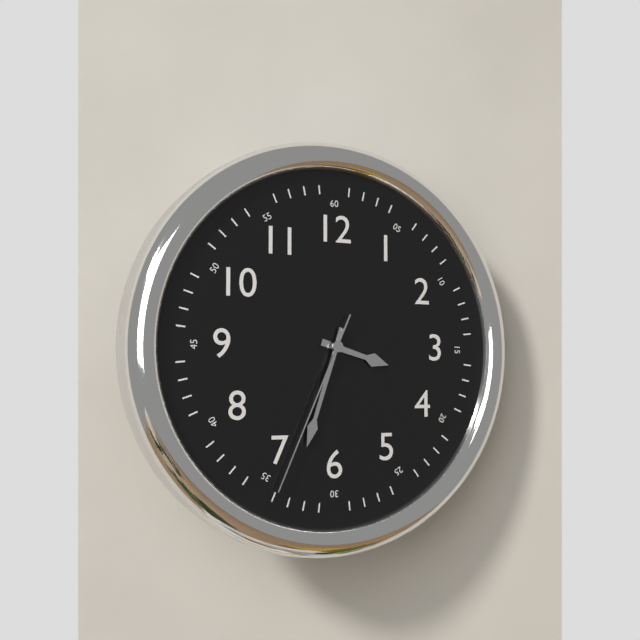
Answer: {"hour": 3, "minute": 33, "second": 34}
